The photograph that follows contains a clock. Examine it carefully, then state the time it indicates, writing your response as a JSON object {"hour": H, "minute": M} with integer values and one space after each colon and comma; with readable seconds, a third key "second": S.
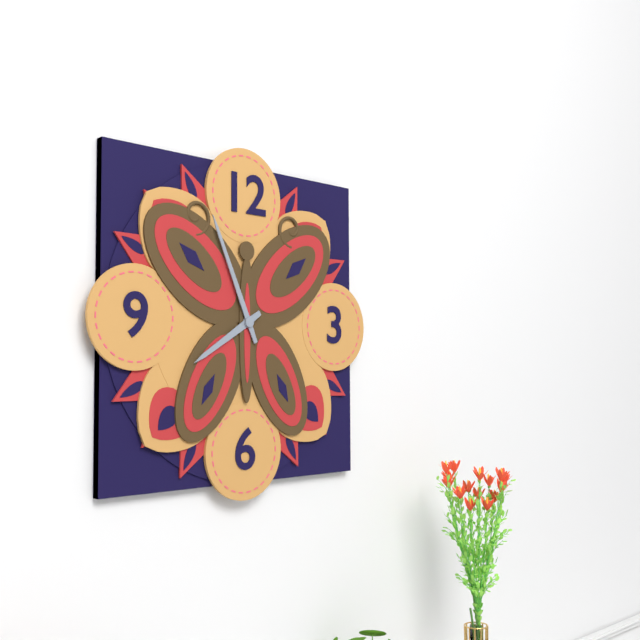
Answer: {"hour": 7, "minute": 56}
